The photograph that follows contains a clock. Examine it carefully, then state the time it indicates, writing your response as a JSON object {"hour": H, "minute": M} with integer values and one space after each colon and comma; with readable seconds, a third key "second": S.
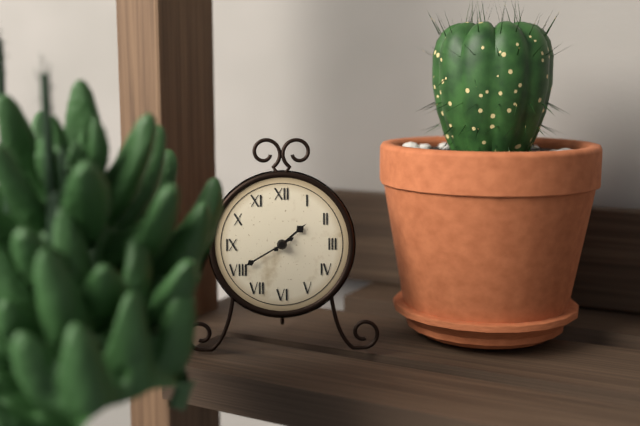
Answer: {"hour": 1, "minute": 40}
